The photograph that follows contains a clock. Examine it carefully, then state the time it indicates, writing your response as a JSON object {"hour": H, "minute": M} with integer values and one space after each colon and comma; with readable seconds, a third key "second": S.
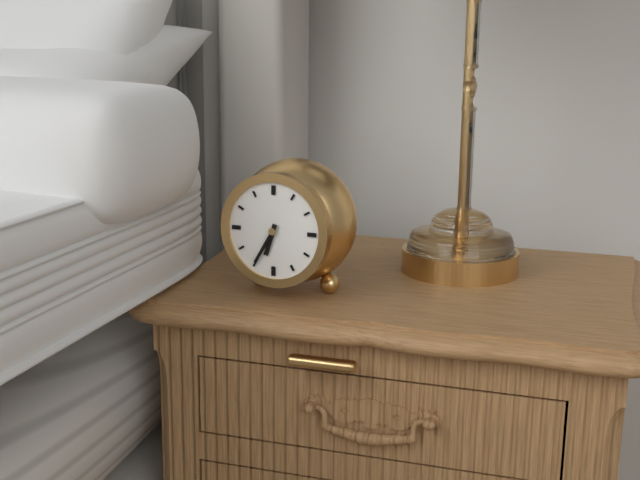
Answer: {"hour": 6, "minute": 35}
